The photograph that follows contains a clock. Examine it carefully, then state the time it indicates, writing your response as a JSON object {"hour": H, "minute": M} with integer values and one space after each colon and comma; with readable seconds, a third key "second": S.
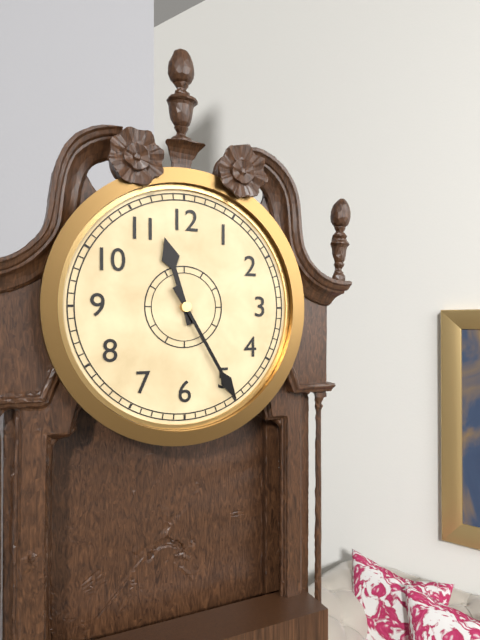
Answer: {"hour": 11, "minute": 25}
